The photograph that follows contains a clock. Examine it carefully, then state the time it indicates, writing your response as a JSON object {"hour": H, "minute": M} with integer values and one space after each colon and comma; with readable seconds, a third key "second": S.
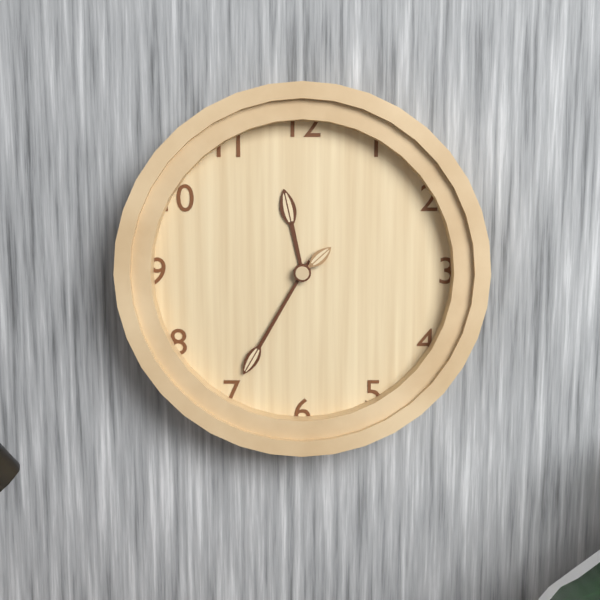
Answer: {"hour": 11, "minute": 35}
